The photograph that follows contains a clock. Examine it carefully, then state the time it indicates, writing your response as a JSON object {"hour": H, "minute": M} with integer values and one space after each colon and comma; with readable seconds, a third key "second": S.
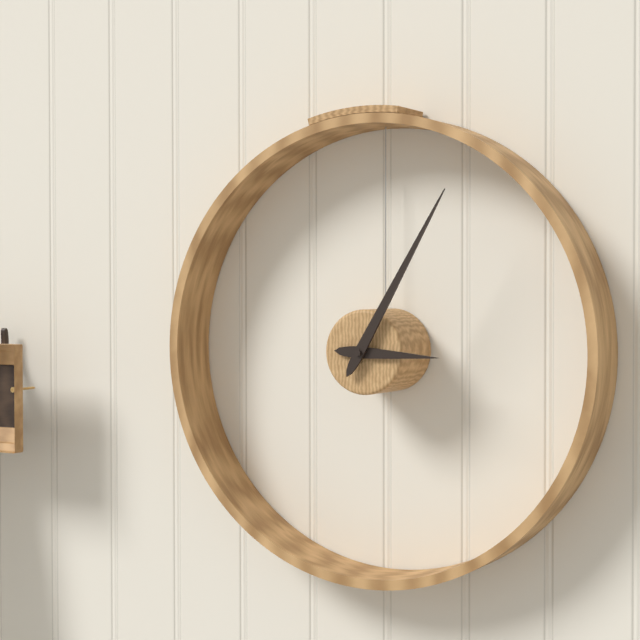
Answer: {"hour": 3, "minute": 5}
